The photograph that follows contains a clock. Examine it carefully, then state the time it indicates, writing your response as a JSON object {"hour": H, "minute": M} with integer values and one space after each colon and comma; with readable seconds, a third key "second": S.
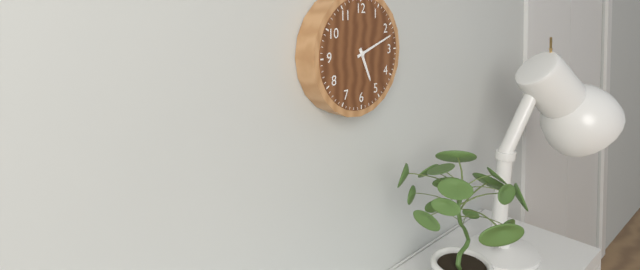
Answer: {"hour": 5, "minute": 12}
